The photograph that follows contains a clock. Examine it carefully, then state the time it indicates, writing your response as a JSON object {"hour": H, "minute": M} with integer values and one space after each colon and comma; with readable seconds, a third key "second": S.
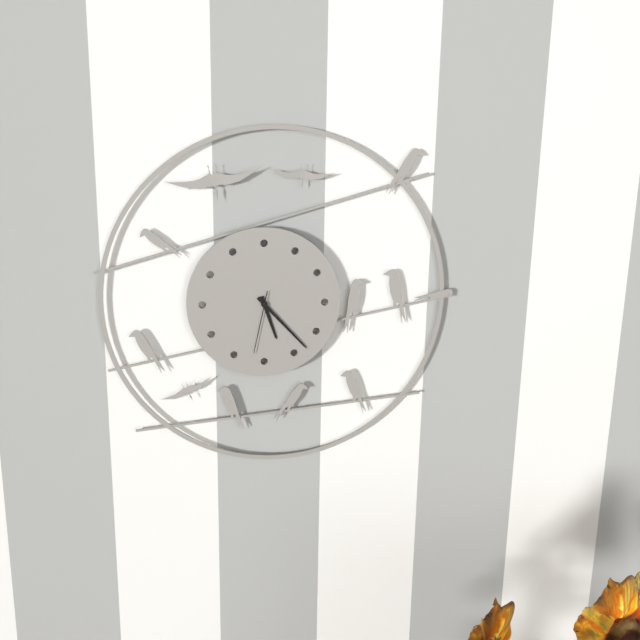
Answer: {"hour": 5, "minute": 23, "second": 32}
